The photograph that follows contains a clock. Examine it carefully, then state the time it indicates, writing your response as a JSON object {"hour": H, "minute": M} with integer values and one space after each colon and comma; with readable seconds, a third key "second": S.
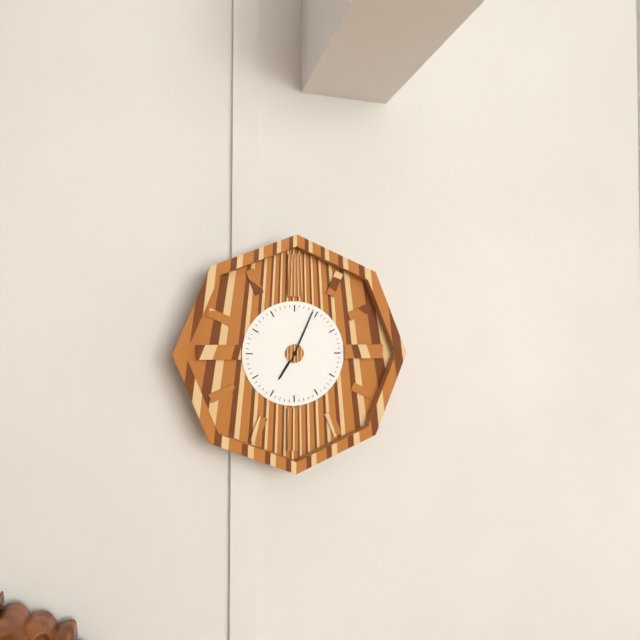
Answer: {"hour": 7, "minute": 4}
